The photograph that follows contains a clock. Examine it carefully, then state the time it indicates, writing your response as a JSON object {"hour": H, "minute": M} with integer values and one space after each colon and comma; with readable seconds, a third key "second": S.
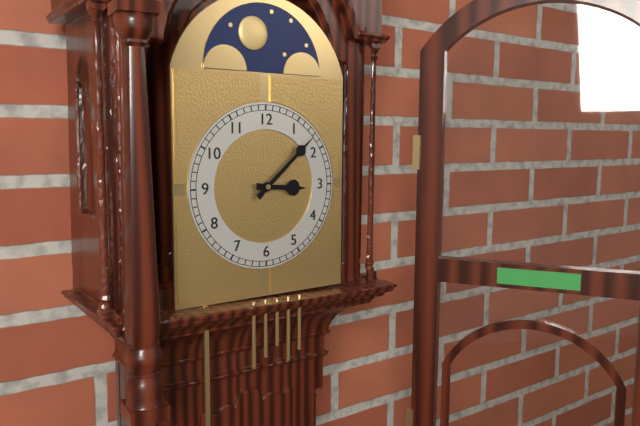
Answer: {"hour": 3, "minute": 8}
